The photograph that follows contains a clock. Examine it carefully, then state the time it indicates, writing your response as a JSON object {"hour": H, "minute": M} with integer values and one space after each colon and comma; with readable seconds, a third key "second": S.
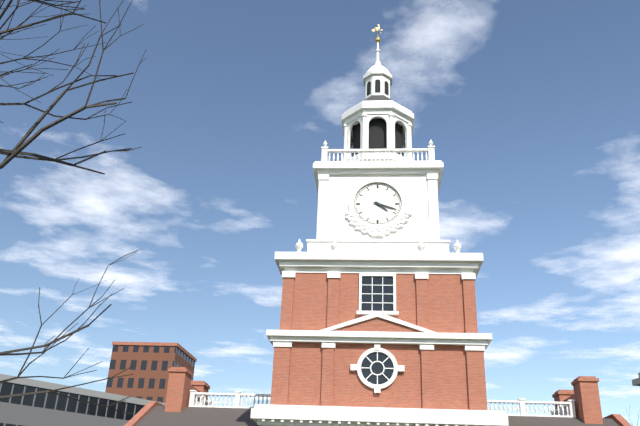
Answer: {"hour": 4, "minute": 18}
